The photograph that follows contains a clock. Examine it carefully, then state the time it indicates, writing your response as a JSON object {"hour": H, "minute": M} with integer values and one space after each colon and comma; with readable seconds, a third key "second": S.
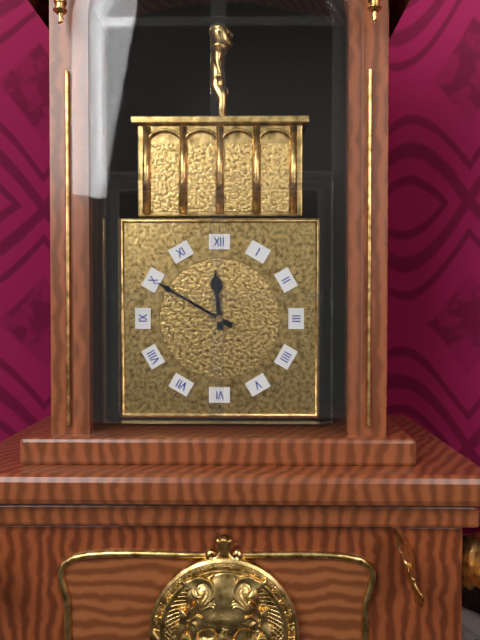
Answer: {"hour": 11, "minute": 50}
